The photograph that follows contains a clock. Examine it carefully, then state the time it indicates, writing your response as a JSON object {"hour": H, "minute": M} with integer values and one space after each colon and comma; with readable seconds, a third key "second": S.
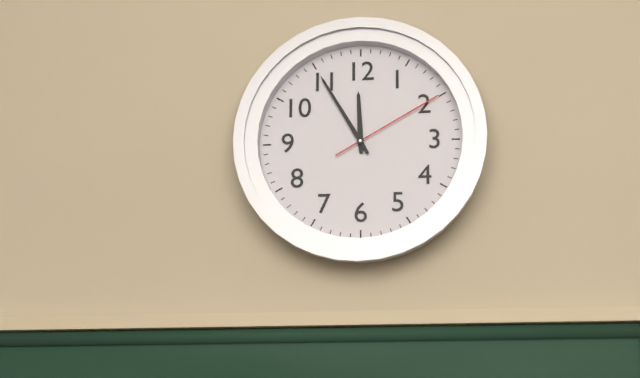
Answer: {"hour": 11, "minute": 55, "second": 10}
